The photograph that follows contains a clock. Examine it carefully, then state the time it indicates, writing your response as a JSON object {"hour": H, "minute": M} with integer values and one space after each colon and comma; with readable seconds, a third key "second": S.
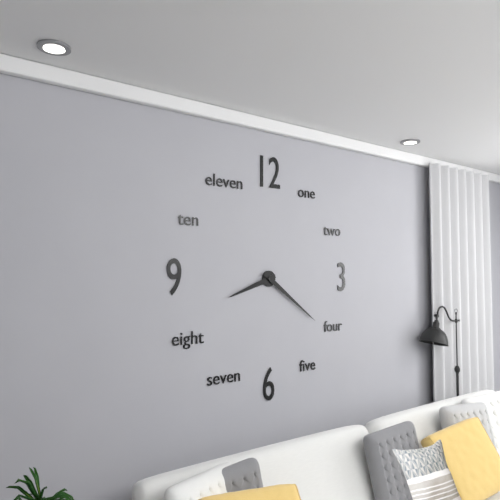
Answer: {"hour": 8, "minute": 21}
